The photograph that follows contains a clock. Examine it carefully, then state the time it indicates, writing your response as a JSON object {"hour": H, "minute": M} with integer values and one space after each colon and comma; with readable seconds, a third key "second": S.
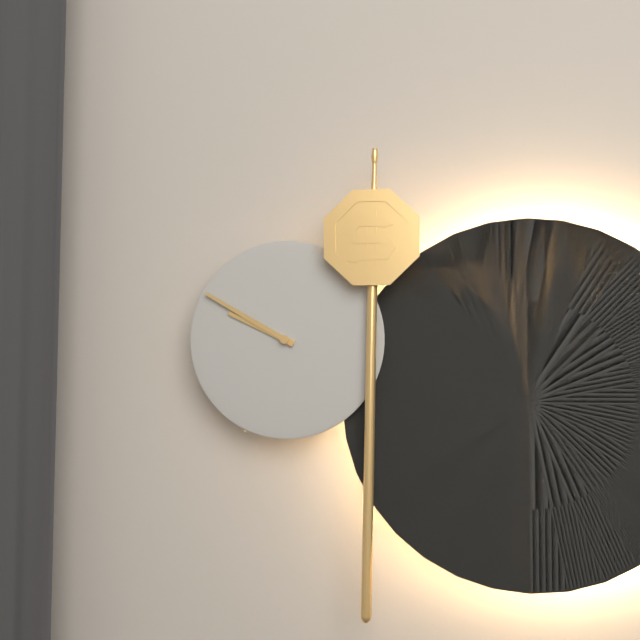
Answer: {"hour": 9, "minute": 50}
